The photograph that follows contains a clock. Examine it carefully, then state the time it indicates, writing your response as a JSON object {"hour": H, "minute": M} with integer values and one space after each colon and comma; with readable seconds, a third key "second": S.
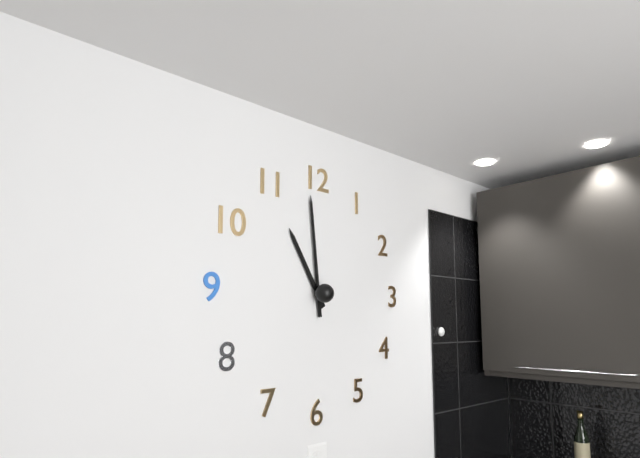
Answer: {"hour": 10, "minute": 59}
